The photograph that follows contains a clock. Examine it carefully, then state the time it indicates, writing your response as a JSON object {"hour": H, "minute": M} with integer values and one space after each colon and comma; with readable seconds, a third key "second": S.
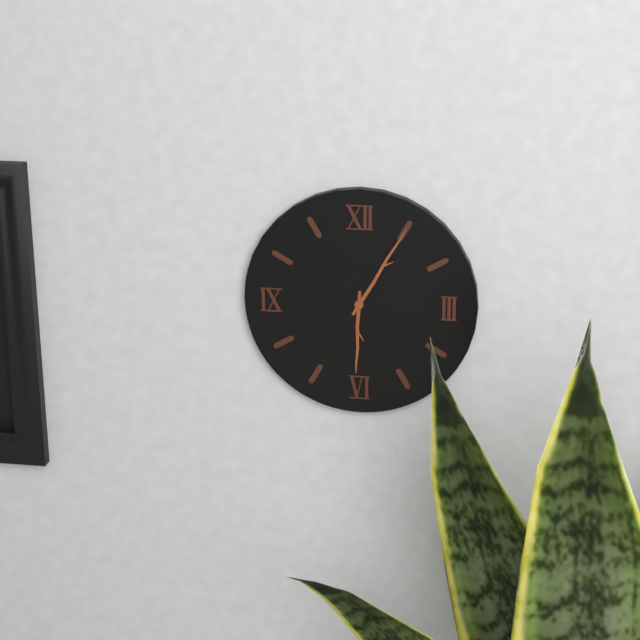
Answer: {"hour": 6, "minute": 5}
